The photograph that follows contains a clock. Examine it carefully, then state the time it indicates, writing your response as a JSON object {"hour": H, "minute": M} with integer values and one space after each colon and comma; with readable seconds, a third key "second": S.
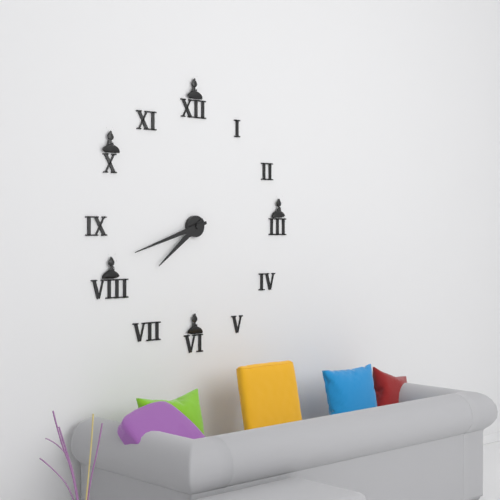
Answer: {"hour": 7, "minute": 42}
